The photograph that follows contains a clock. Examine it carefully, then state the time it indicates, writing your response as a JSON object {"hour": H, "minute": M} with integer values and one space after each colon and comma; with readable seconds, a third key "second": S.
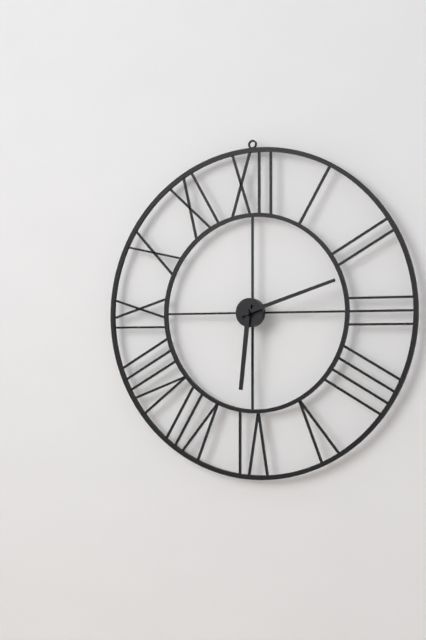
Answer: {"hour": 6, "minute": 12}
